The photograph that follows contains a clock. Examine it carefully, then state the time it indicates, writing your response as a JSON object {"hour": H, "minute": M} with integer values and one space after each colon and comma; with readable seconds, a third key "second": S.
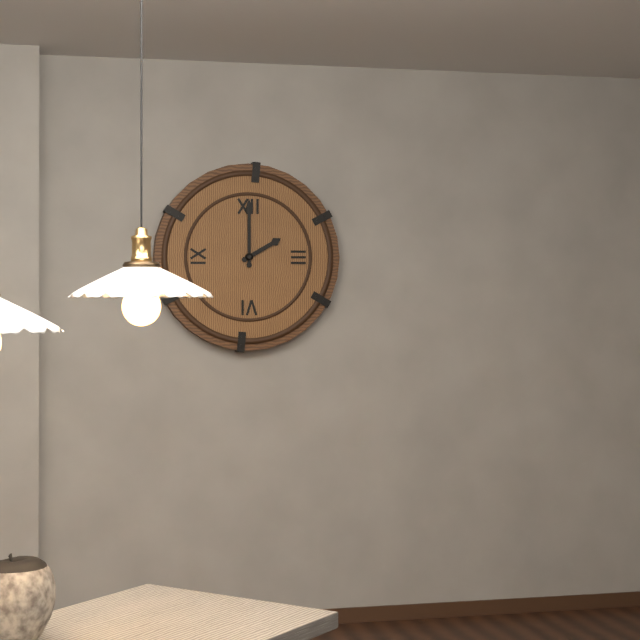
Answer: {"hour": 2, "minute": 0}
